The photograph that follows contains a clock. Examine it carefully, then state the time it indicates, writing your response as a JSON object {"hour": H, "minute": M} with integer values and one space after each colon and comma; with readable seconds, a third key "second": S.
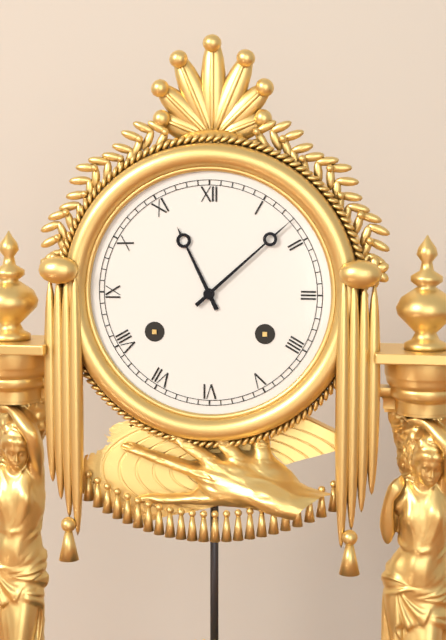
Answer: {"hour": 11, "minute": 8}
